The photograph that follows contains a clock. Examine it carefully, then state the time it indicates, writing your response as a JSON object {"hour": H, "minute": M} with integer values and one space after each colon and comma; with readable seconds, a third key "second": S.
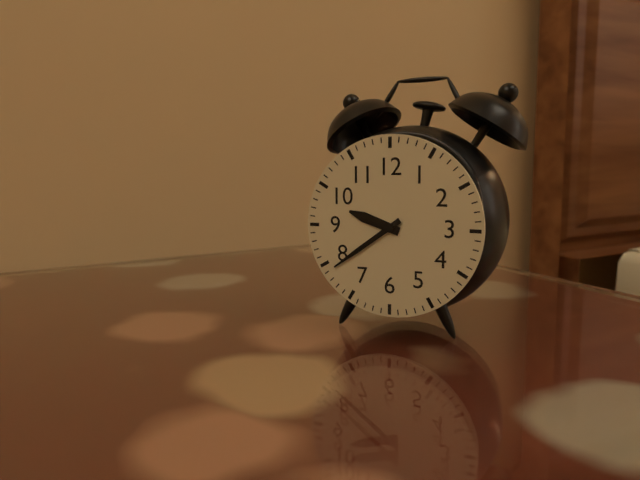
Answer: {"hour": 9, "minute": 39}
